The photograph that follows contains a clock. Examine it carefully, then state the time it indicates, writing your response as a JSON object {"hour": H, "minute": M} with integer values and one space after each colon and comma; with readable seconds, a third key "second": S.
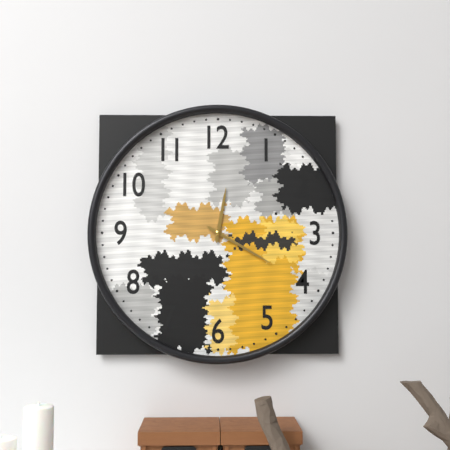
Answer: {"hour": 12, "minute": 20}
